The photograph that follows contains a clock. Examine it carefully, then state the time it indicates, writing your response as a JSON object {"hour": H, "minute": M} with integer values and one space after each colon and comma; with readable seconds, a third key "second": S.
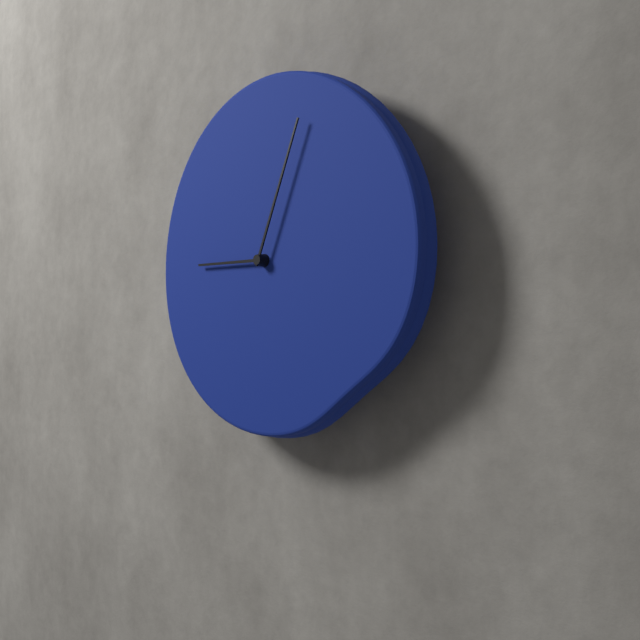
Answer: {"hour": 9, "minute": 4}
